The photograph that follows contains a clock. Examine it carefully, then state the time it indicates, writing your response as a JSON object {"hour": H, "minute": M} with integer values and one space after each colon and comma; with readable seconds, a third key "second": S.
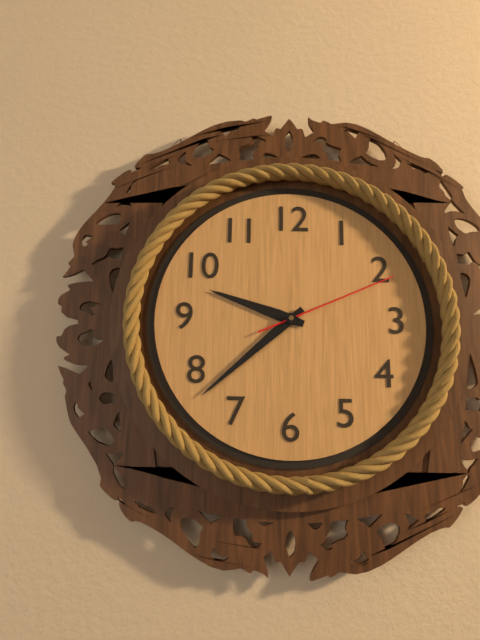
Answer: {"hour": 9, "minute": 38, "second": 11}
